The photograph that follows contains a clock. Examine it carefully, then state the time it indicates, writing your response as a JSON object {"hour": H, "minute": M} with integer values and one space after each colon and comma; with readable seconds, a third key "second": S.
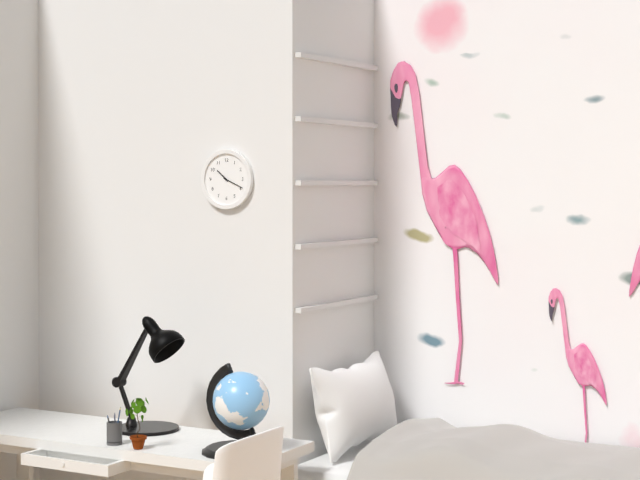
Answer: {"hour": 10, "minute": 19}
